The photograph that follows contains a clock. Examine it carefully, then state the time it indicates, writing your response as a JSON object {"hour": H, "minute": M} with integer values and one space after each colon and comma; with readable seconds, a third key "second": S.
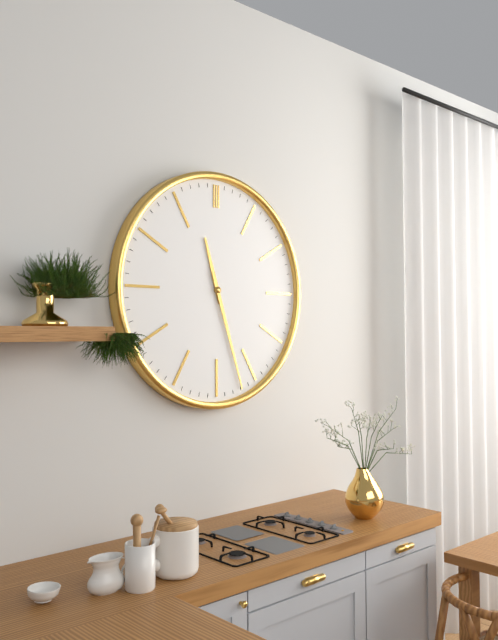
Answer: {"hour": 11, "minute": 27}
